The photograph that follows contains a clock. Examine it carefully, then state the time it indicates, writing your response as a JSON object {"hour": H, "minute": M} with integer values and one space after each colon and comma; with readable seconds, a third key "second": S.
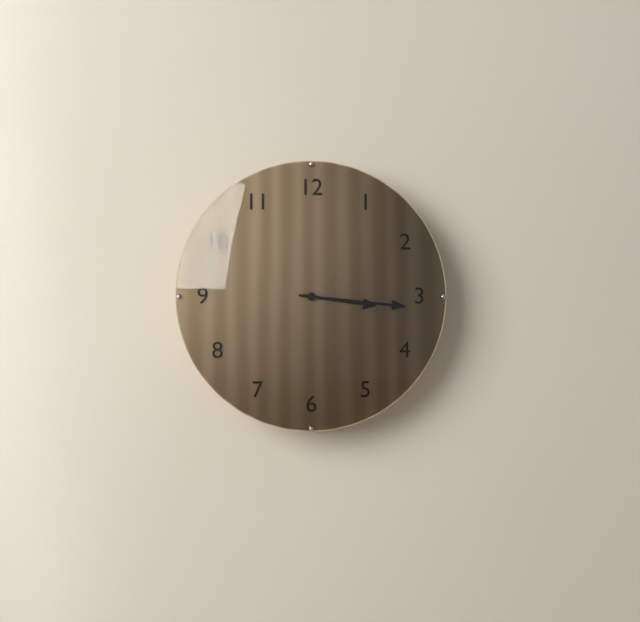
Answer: {"hour": 3, "minute": 16}
